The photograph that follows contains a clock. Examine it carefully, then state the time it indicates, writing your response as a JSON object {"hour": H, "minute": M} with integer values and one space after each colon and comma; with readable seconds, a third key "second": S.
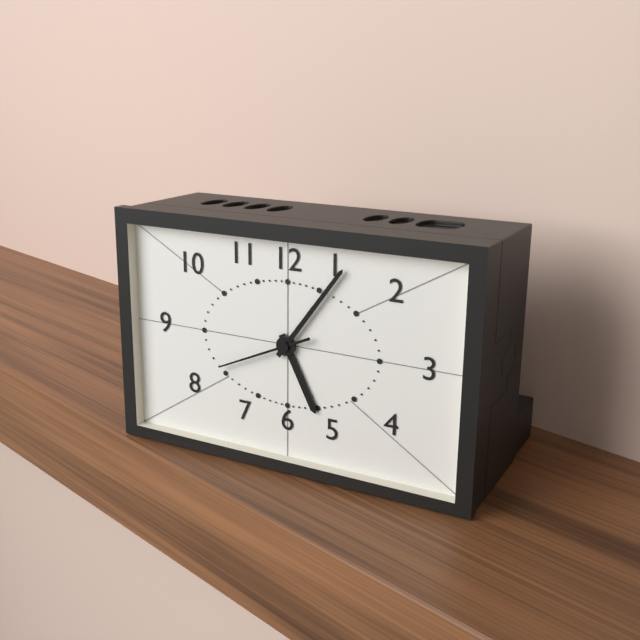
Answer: {"hour": 5, "minute": 6, "second": 41}
